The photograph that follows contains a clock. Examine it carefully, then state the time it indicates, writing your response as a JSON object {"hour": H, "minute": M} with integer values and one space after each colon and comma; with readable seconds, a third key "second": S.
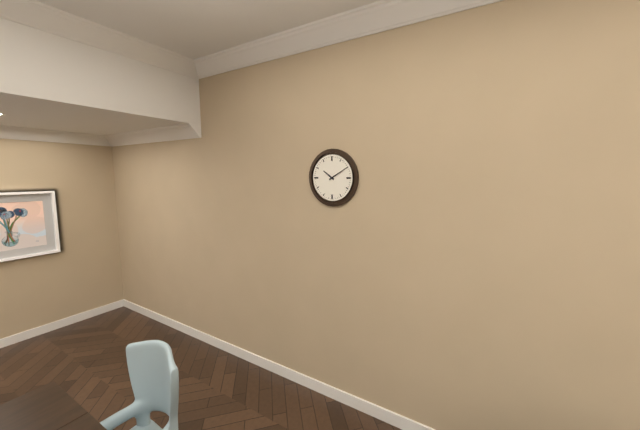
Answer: {"hour": 10, "minute": 10}
